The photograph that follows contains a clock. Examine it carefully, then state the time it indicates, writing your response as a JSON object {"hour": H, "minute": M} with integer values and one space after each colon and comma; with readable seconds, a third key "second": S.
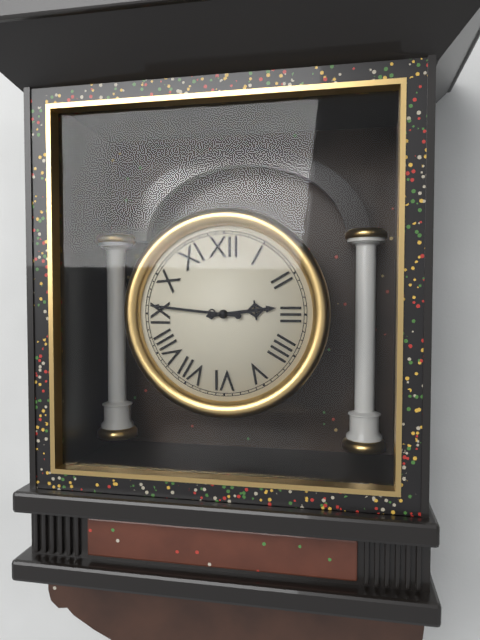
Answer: {"hour": 2, "minute": 46}
